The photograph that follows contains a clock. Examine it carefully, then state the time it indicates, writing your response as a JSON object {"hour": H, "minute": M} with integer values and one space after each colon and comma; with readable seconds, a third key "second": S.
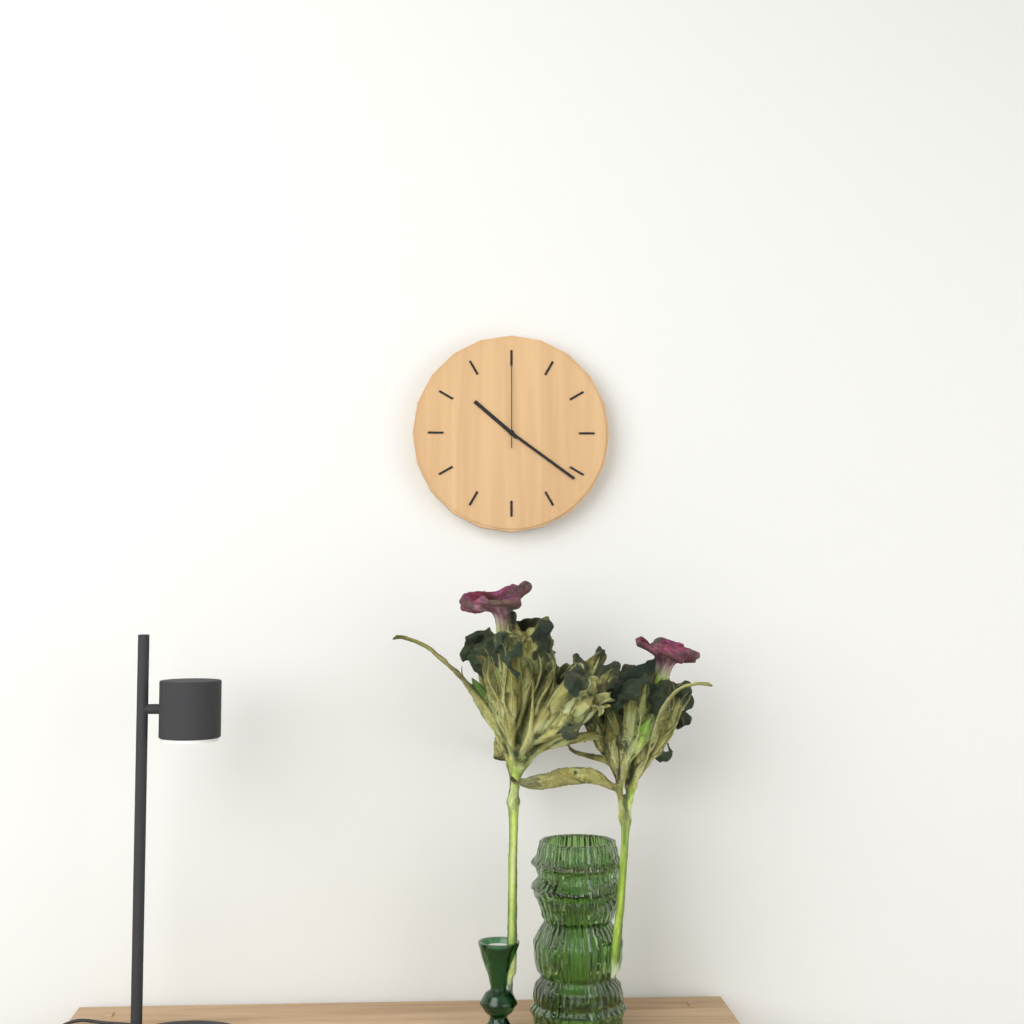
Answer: {"hour": 10, "minute": 21, "second": 0}
